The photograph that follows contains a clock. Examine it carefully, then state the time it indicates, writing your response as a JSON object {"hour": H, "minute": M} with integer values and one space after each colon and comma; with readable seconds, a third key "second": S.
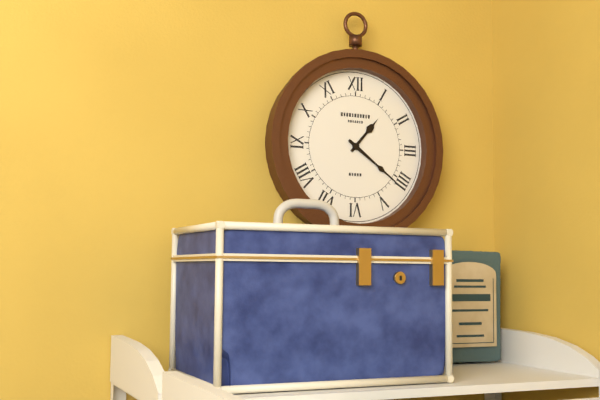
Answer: {"hour": 1, "minute": 21}
